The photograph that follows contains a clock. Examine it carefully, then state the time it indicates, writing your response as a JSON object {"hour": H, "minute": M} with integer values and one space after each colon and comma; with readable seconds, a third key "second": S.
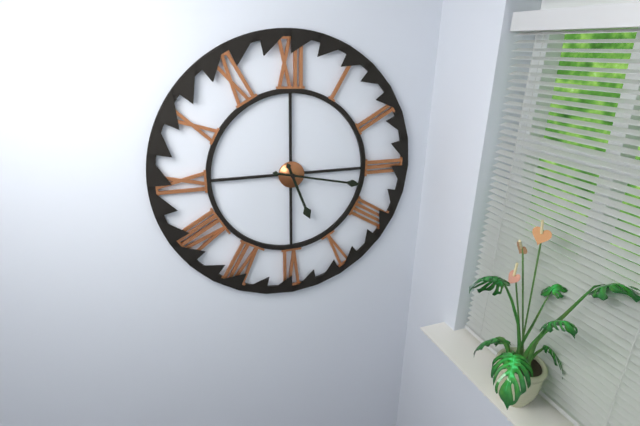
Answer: {"hour": 5, "minute": 17}
